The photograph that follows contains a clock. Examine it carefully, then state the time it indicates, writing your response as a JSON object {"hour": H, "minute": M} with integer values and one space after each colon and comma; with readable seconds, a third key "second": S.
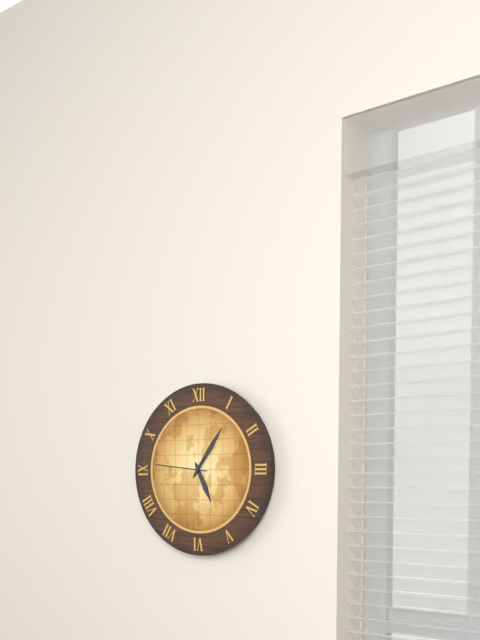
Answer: {"hour": 5, "minute": 6, "second": 46}
